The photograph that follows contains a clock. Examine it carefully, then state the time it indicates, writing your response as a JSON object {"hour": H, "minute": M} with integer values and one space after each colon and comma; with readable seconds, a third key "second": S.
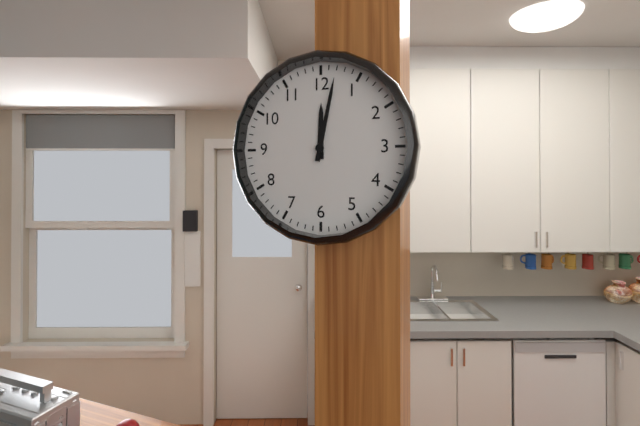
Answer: {"hour": 12, "minute": 2}
